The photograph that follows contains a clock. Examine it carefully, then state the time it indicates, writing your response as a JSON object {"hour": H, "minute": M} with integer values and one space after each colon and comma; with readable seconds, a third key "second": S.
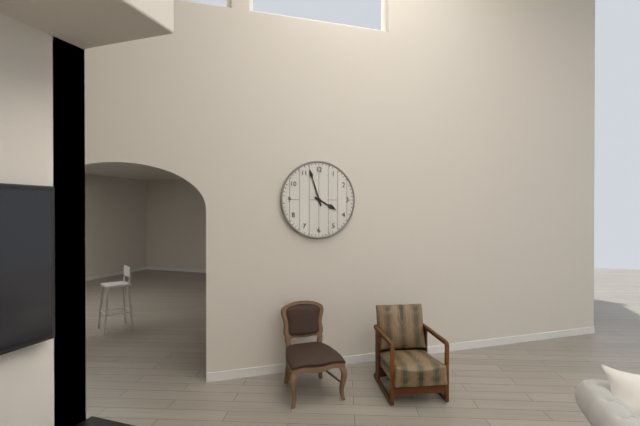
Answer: {"hour": 3, "minute": 57}
